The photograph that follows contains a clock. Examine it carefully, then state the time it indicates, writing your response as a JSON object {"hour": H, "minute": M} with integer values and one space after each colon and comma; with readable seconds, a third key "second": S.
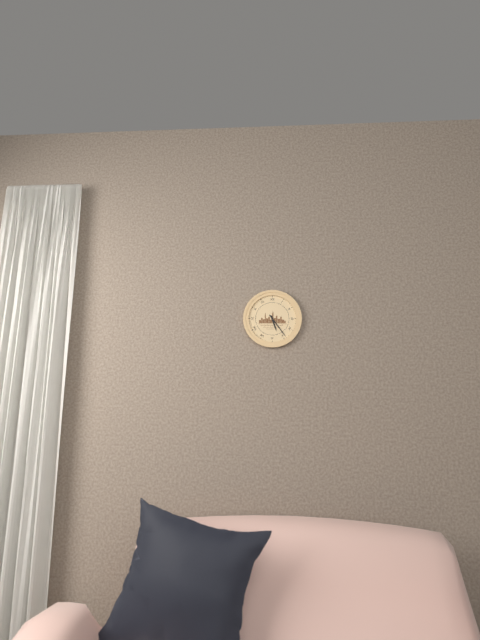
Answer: {"hour": 5, "minute": 24}
